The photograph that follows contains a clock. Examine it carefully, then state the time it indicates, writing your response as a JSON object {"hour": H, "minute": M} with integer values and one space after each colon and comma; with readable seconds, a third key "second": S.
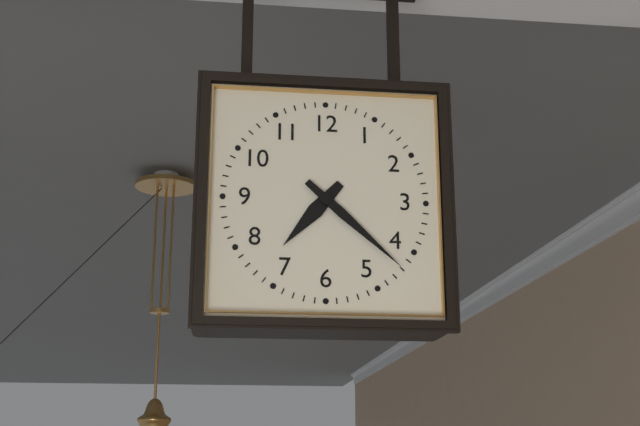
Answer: {"hour": 7, "minute": 22}
